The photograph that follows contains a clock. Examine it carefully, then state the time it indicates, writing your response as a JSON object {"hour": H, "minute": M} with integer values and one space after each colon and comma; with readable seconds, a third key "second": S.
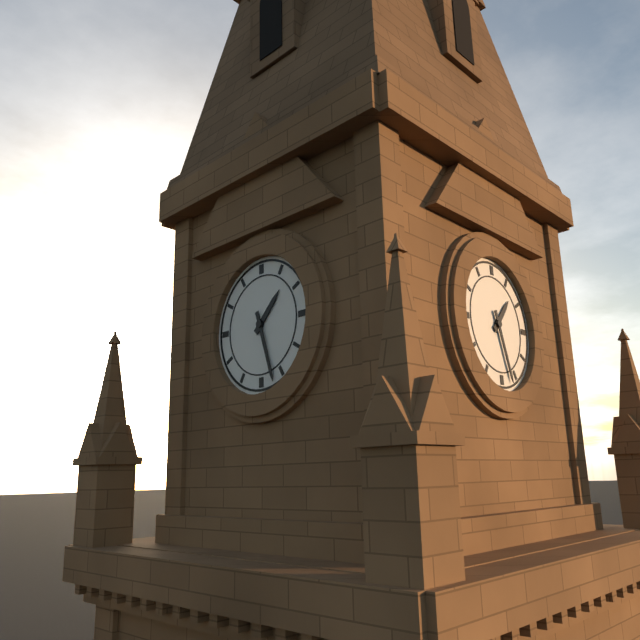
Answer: {"hour": 1, "minute": 27}
